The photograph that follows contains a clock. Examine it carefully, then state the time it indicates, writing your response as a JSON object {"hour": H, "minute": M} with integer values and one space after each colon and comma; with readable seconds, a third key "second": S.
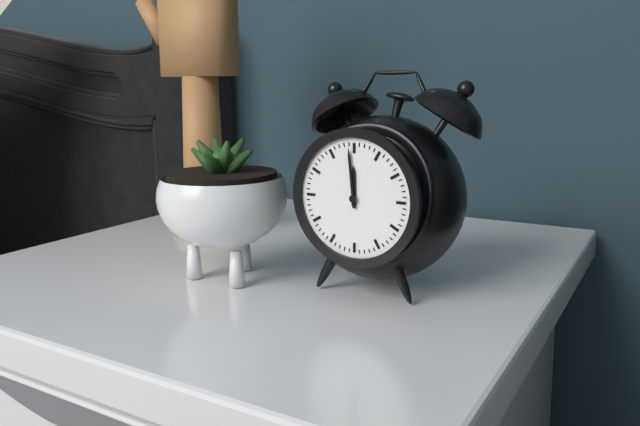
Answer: {"hour": 11, "minute": 59}
